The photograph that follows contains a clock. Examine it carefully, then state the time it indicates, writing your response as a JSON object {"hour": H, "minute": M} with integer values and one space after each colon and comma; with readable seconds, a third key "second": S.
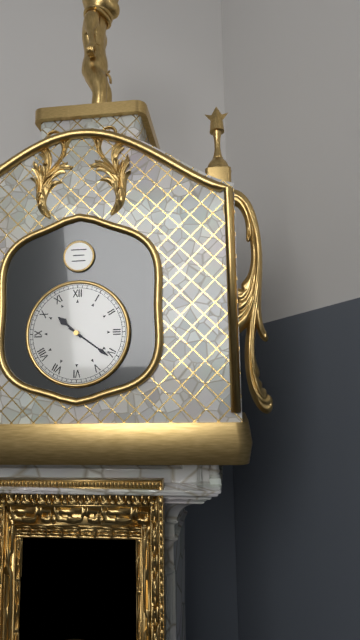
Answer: {"hour": 10, "minute": 21}
